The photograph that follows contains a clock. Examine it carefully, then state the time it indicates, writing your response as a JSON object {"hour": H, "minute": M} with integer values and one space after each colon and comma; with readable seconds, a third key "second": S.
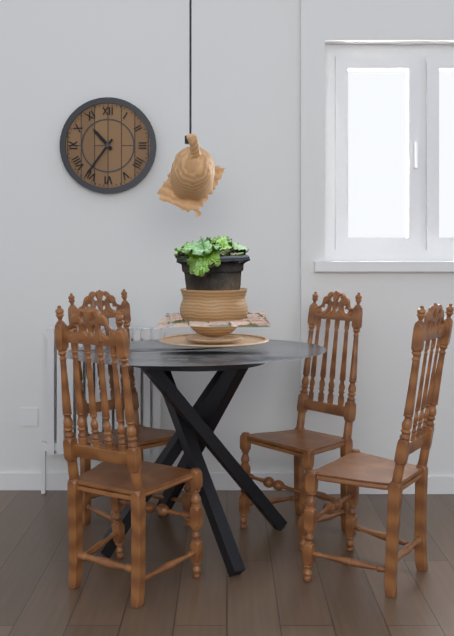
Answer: {"hour": 10, "minute": 36}
